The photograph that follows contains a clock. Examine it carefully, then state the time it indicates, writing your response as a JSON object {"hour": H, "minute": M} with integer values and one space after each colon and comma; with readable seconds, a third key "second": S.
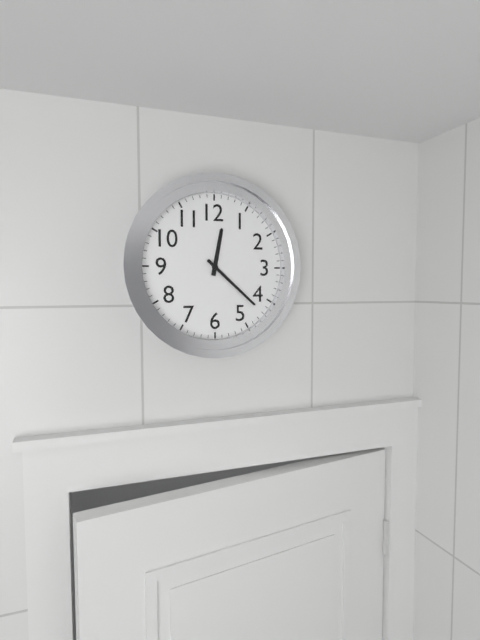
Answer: {"hour": 12, "minute": 22}
